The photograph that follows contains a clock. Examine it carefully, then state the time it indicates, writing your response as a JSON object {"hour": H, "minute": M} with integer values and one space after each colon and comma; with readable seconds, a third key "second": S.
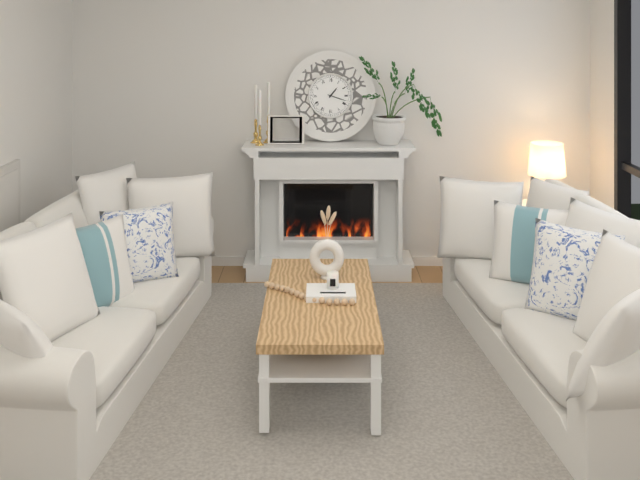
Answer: {"hour": 1, "minute": 18}
